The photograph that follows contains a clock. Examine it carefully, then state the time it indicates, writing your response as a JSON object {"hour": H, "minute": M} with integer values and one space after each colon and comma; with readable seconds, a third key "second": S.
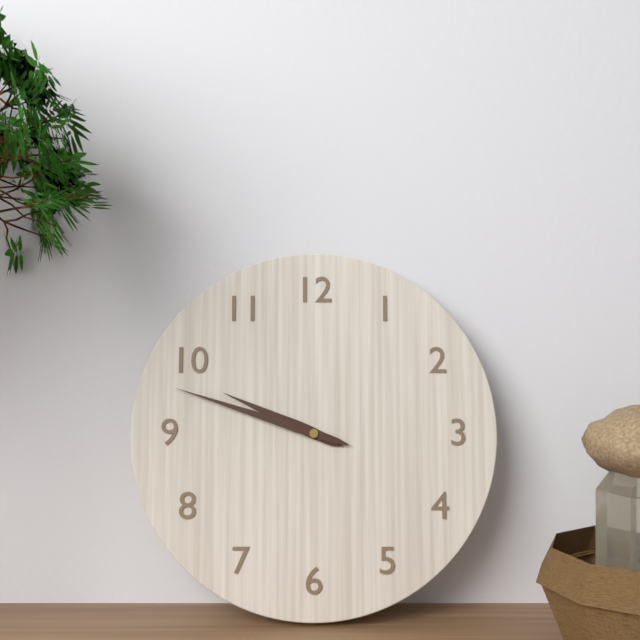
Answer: {"hour": 9, "minute": 48}
